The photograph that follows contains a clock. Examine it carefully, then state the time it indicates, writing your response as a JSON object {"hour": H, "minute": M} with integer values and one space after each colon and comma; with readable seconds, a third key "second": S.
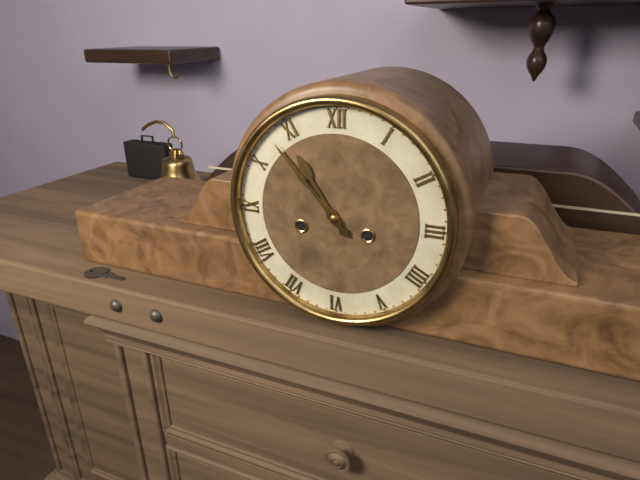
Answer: {"hour": 10, "minute": 53}
